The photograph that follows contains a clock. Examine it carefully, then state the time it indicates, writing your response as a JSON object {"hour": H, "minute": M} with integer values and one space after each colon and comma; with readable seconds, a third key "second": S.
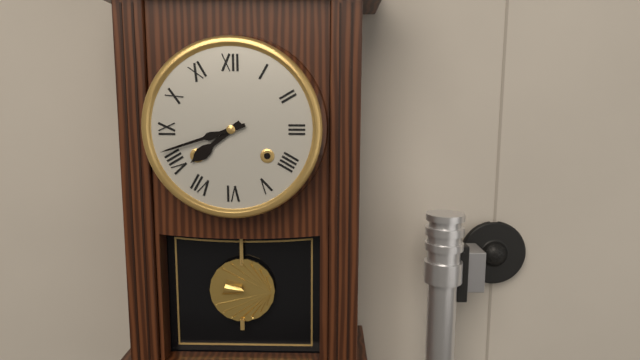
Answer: {"hour": 7, "minute": 42}
